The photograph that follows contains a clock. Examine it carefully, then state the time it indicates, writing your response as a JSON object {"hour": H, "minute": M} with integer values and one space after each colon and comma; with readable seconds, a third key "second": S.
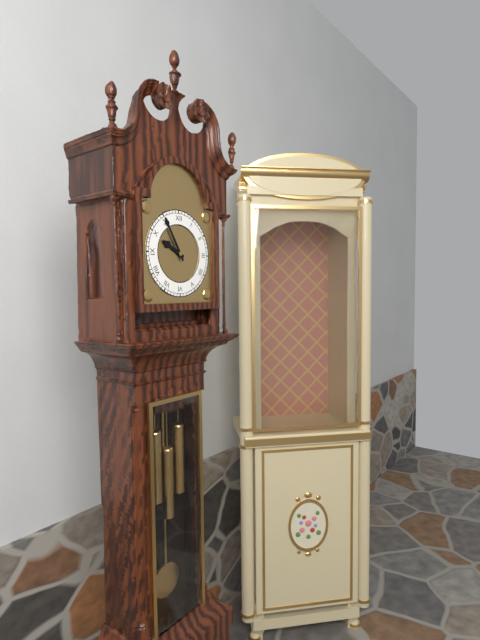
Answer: {"hour": 9, "minute": 55}
